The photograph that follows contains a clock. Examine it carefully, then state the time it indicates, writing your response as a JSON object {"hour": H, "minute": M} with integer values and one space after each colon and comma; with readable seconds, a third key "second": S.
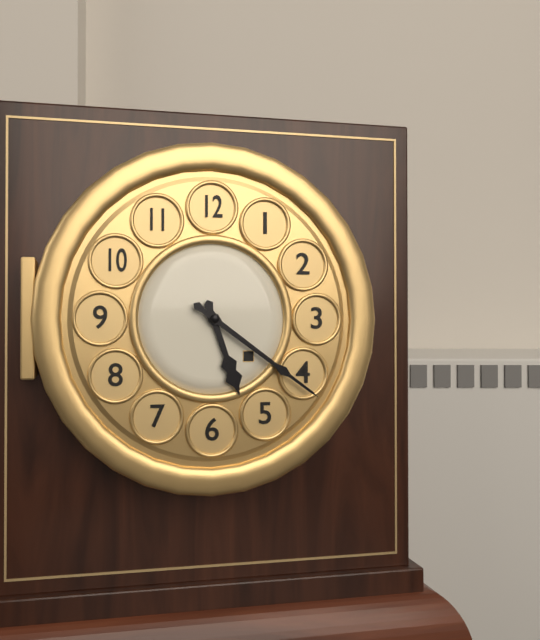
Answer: {"hour": 5, "minute": 21}
